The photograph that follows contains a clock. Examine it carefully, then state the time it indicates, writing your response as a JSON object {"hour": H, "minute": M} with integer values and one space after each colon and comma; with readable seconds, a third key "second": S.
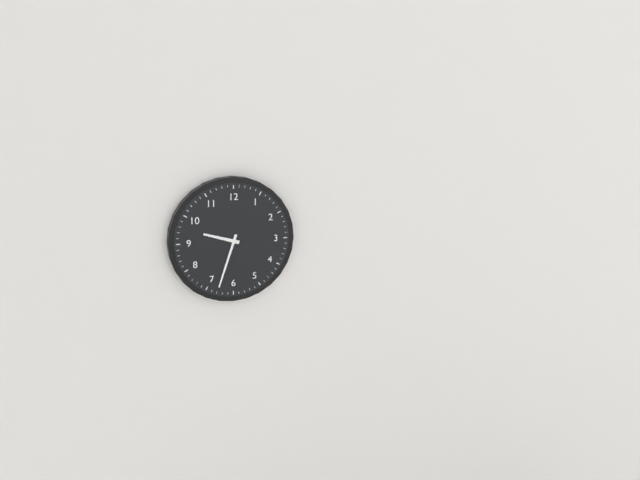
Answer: {"hour": 9, "minute": 33}
